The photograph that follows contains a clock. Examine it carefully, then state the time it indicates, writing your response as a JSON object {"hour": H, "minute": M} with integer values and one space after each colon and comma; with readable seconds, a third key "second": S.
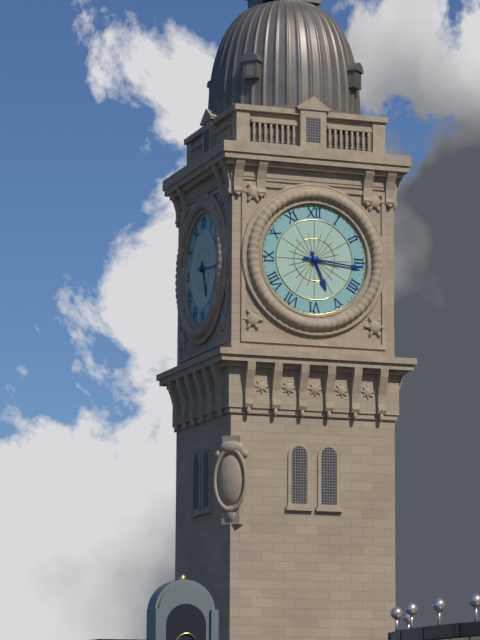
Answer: {"hour": 5, "minute": 16}
